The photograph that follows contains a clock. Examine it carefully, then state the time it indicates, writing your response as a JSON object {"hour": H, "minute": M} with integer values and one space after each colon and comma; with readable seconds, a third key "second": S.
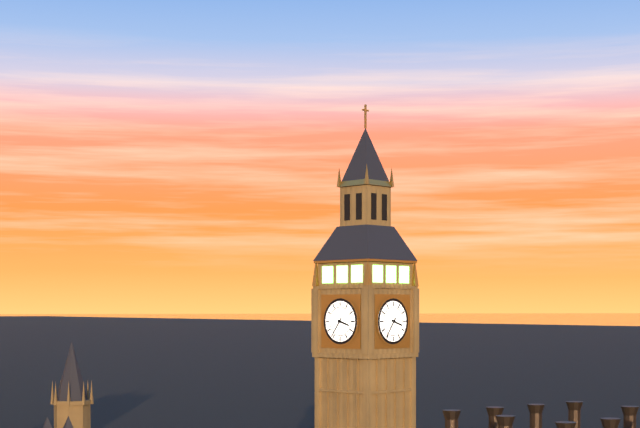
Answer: {"hour": 3, "minute": 36}
